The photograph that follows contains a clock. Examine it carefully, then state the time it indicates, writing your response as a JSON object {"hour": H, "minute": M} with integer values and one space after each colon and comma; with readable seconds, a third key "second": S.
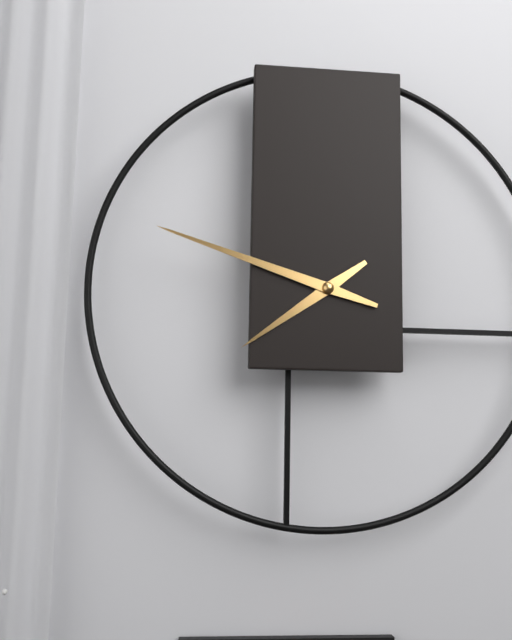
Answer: {"hour": 7, "minute": 48}
